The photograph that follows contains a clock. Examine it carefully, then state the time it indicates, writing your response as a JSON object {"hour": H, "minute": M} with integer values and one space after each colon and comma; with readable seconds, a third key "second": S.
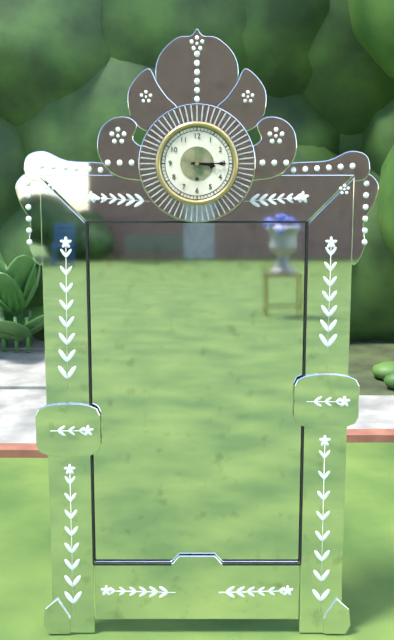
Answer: {"hour": 3, "minute": 15}
